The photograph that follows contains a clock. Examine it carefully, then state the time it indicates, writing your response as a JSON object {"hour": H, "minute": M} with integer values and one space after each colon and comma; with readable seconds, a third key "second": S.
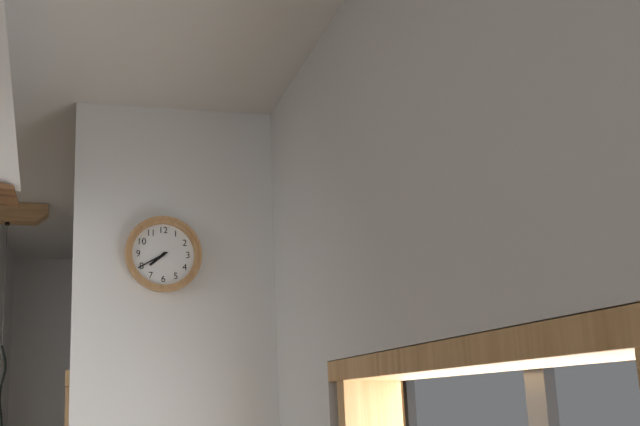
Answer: {"hour": 7, "minute": 40}
